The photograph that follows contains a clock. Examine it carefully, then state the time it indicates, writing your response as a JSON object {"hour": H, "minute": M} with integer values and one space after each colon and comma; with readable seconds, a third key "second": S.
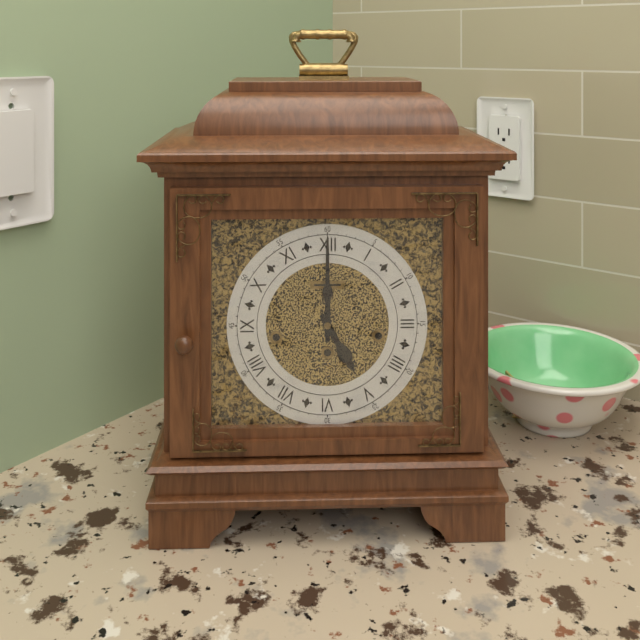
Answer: {"hour": 5, "minute": 0}
